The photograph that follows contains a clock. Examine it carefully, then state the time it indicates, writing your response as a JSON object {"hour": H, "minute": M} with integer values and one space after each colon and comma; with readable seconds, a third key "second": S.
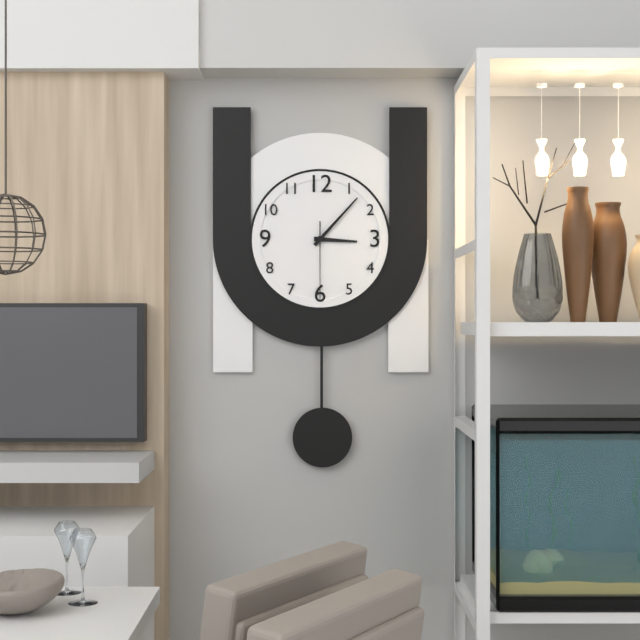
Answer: {"hour": 3, "minute": 7, "second": 30}
